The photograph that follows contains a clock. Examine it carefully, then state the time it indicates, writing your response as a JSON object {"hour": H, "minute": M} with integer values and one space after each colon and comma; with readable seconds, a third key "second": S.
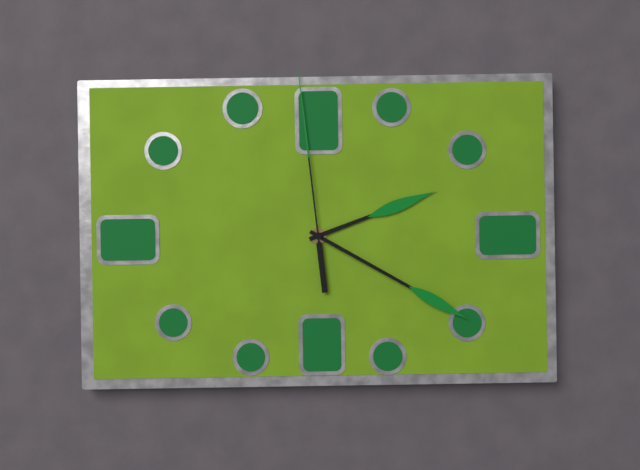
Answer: {"hour": 2, "minute": 20, "second": 59}
